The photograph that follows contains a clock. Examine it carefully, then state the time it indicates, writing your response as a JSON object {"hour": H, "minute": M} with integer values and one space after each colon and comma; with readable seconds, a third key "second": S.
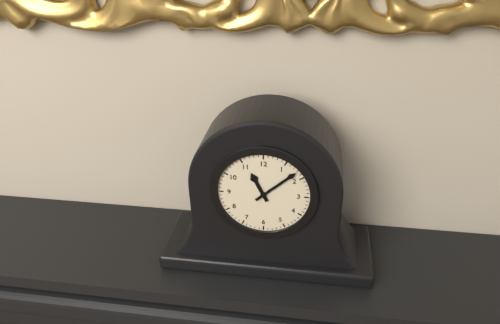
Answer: {"hour": 11, "minute": 8}
